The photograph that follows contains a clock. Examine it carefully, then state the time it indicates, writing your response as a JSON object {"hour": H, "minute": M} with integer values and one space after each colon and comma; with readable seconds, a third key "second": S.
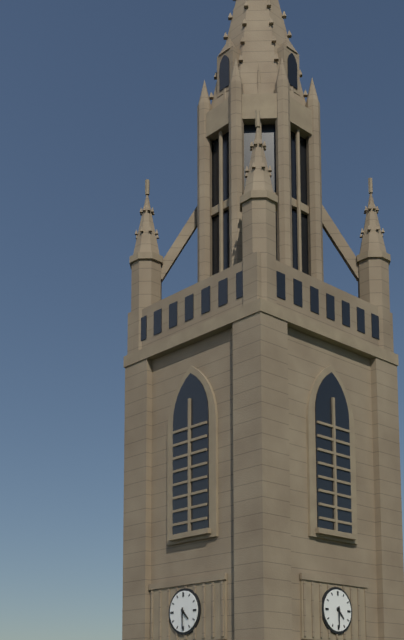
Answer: {"hour": 4, "minute": 30}
